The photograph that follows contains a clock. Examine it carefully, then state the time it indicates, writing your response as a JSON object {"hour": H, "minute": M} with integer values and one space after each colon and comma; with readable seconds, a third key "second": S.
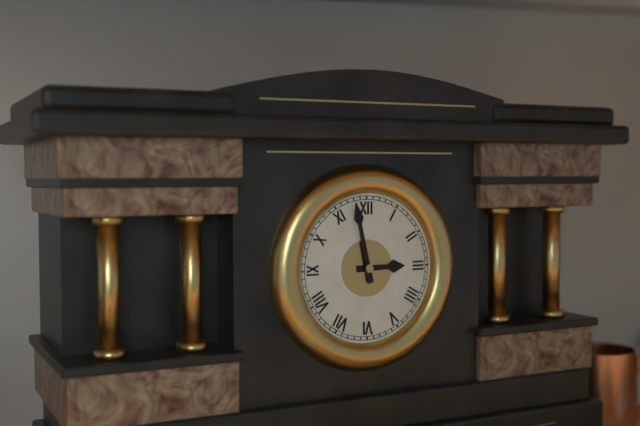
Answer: {"hour": 2, "minute": 58}
